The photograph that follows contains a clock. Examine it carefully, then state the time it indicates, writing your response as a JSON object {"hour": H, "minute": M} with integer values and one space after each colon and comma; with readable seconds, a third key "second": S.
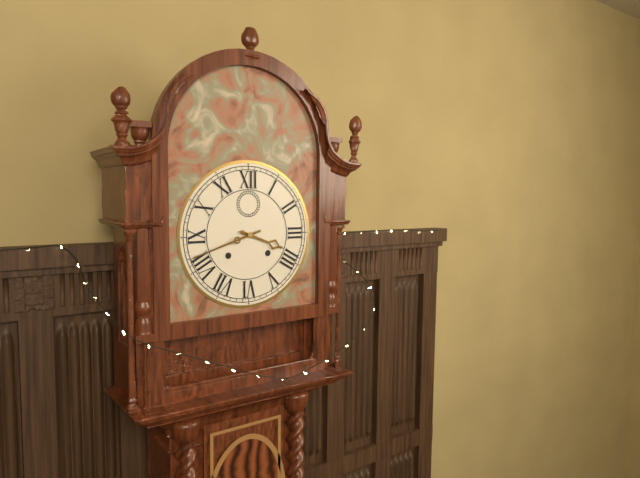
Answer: {"hour": 3, "minute": 42}
